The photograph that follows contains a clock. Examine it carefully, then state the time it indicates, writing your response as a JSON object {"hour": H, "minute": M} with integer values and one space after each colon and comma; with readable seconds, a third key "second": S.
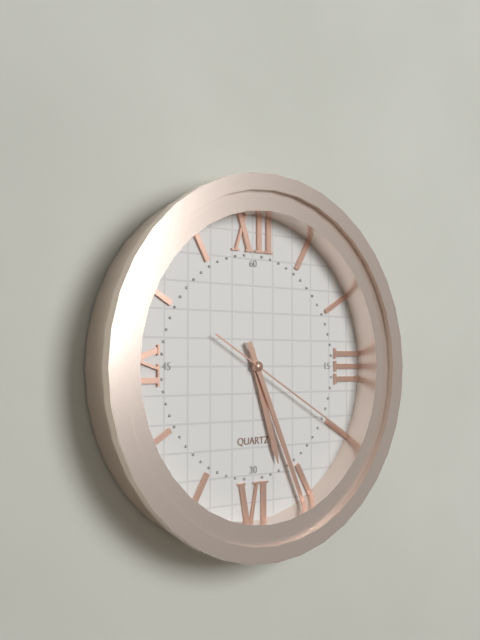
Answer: {"hour": 5, "minute": 26, "second": 20}
